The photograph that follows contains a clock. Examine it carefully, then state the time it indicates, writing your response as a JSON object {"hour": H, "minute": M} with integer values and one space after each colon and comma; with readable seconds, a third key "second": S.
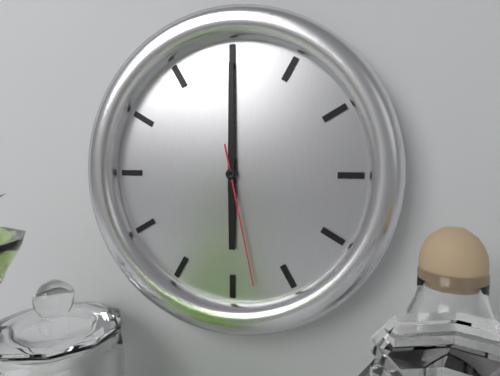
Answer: {"hour": 6, "minute": 0, "second": 28}
